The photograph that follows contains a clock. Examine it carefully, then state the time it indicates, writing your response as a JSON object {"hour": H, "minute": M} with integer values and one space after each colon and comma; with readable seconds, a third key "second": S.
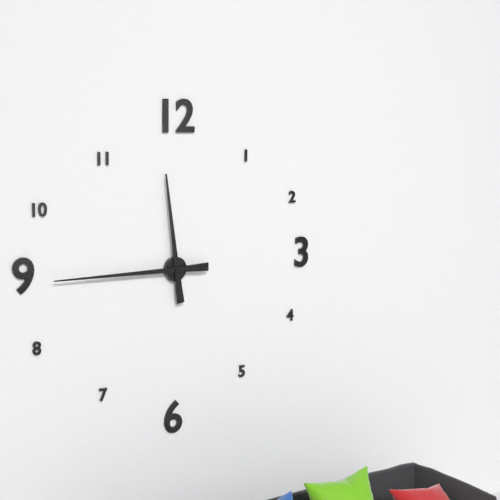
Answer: {"hour": 11, "minute": 45}
